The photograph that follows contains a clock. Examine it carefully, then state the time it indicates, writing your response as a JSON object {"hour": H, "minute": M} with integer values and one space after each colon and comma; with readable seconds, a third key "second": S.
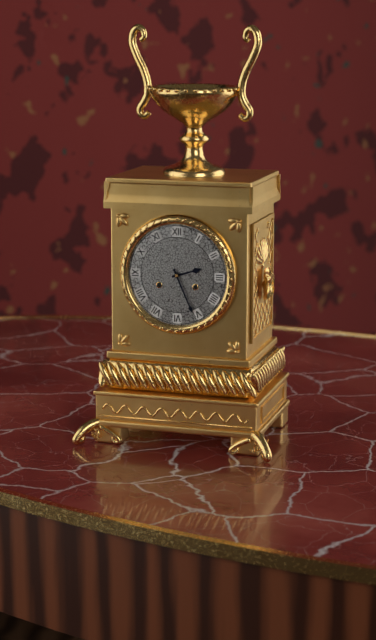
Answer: {"hour": 2, "minute": 26}
